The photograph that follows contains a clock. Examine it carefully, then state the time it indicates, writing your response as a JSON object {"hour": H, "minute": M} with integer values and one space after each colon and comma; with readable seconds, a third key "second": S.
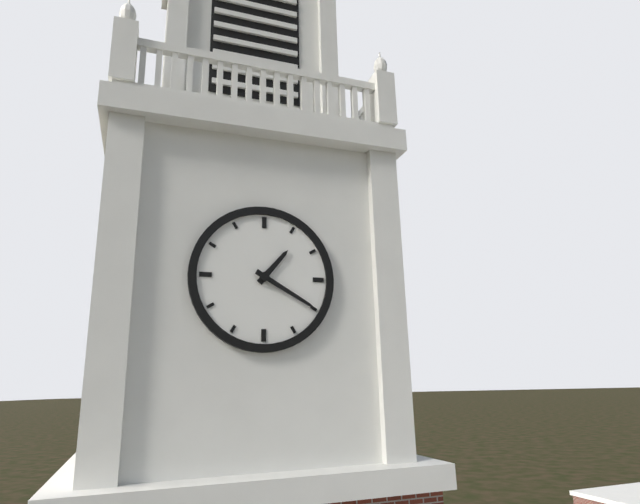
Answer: {"hour": 1, "minute": 20}
